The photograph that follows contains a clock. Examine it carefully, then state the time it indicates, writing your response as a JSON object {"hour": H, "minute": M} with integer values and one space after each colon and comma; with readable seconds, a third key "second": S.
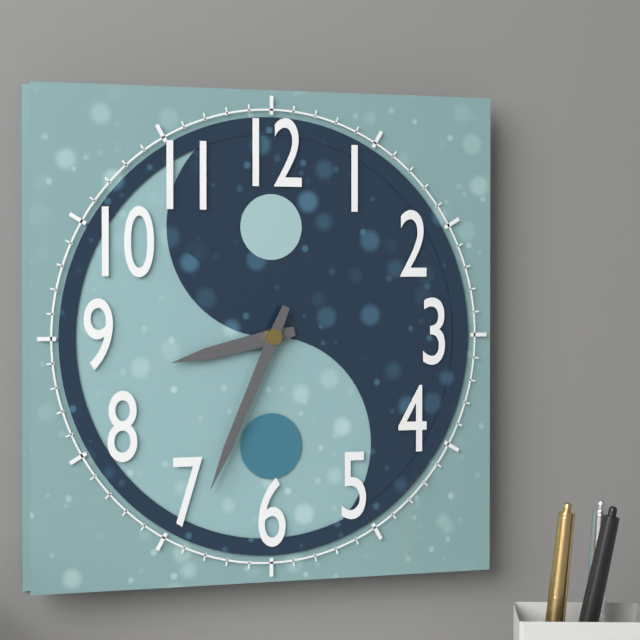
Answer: {"hour": 8, "minute": 34}
